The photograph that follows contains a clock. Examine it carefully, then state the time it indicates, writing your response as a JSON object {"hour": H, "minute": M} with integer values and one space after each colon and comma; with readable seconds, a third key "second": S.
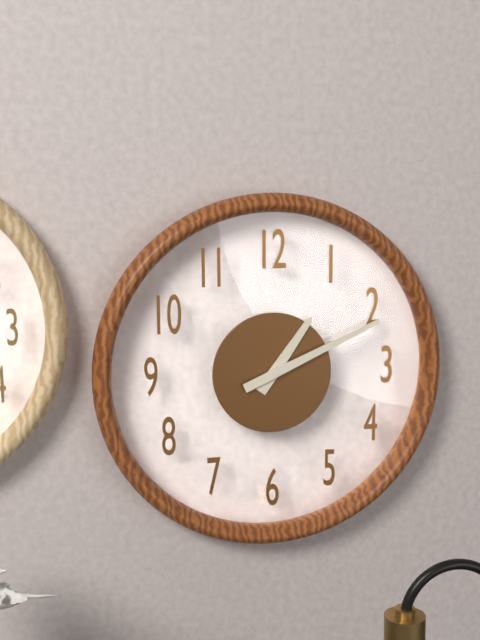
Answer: {"hour": 1, "minute": 11}
